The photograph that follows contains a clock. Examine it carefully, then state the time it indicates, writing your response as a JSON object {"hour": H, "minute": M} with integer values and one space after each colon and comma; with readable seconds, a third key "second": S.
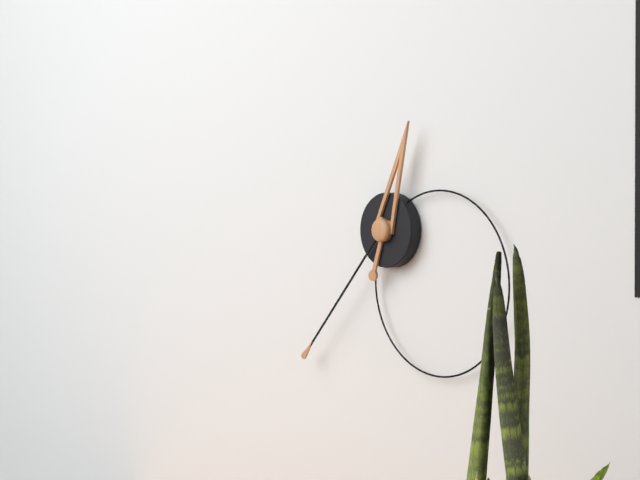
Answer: {"hour": 12, "minute": 37}
